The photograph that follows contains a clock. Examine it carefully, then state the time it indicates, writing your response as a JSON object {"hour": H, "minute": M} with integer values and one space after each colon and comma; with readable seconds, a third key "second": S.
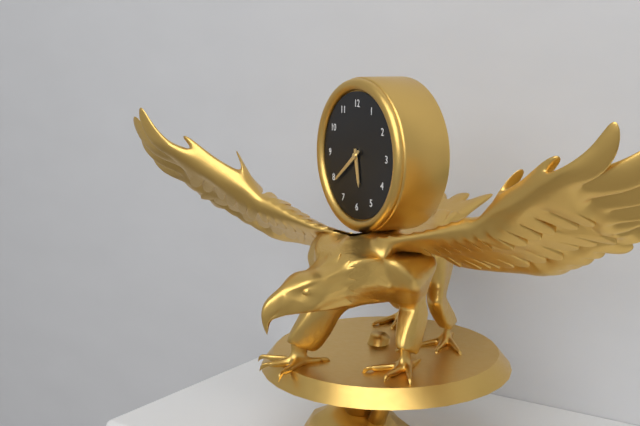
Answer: {"hour": 5, "minute": 39}
